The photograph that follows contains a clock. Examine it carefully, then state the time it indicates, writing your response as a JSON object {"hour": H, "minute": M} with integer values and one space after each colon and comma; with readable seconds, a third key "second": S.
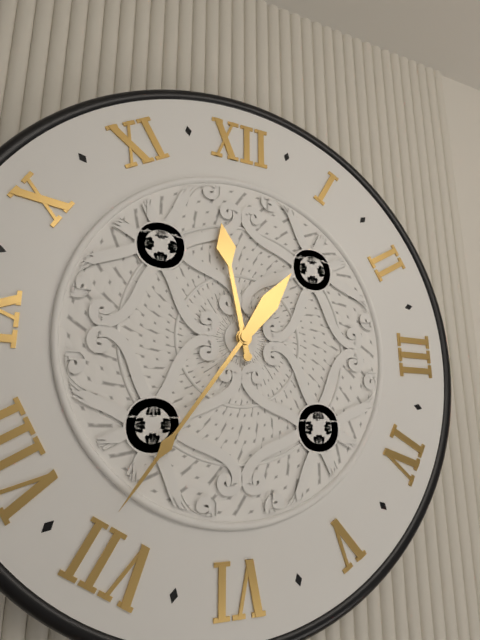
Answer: {"hour": 11, "minute": 36}
